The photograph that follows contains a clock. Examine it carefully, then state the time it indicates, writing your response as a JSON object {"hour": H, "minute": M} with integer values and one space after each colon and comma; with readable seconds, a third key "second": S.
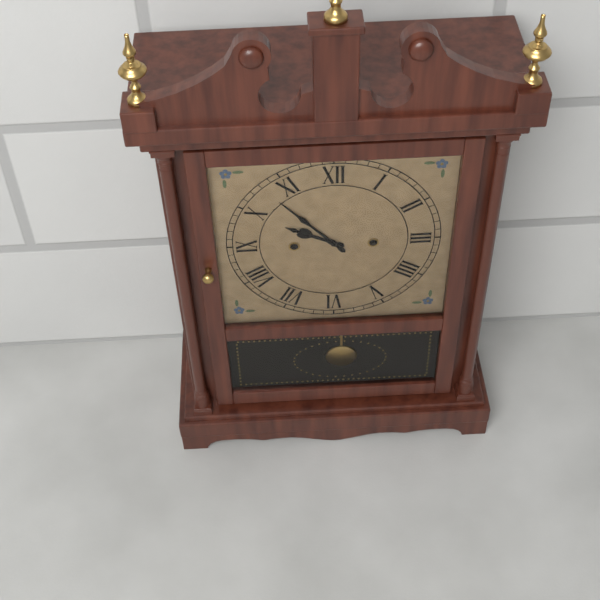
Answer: {"hour": 9, "minute": 53}
